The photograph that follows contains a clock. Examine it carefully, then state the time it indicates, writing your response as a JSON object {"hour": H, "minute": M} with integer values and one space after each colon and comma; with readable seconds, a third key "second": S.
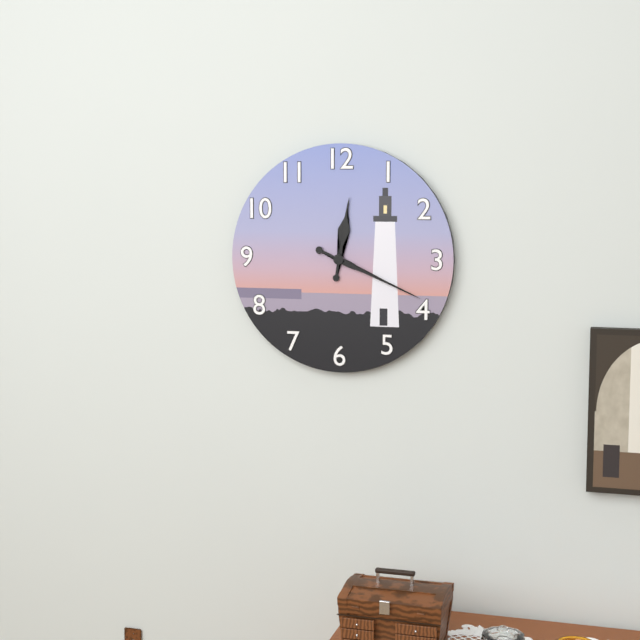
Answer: {"hour": 12, "minute": 19}
